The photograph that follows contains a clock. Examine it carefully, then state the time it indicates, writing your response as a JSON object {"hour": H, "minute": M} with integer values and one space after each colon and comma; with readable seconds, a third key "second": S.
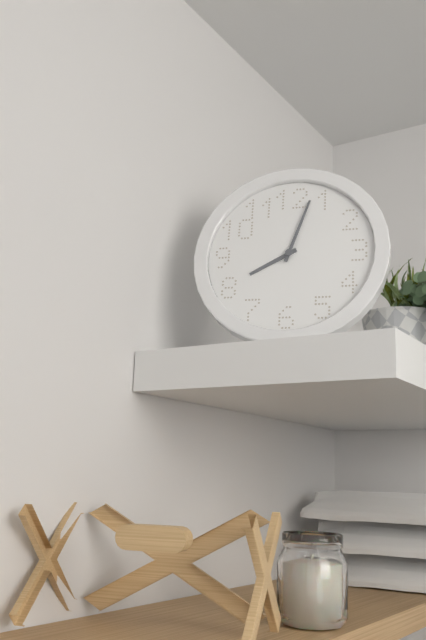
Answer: {"hour": 8, "minute": 3}
